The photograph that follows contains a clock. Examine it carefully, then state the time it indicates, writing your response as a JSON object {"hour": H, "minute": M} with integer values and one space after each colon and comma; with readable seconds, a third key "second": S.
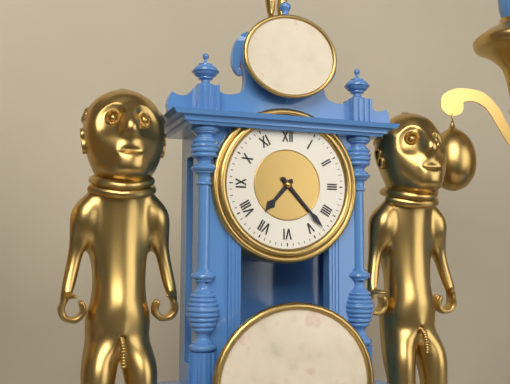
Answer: {"hour": 7, "minute": 23}
